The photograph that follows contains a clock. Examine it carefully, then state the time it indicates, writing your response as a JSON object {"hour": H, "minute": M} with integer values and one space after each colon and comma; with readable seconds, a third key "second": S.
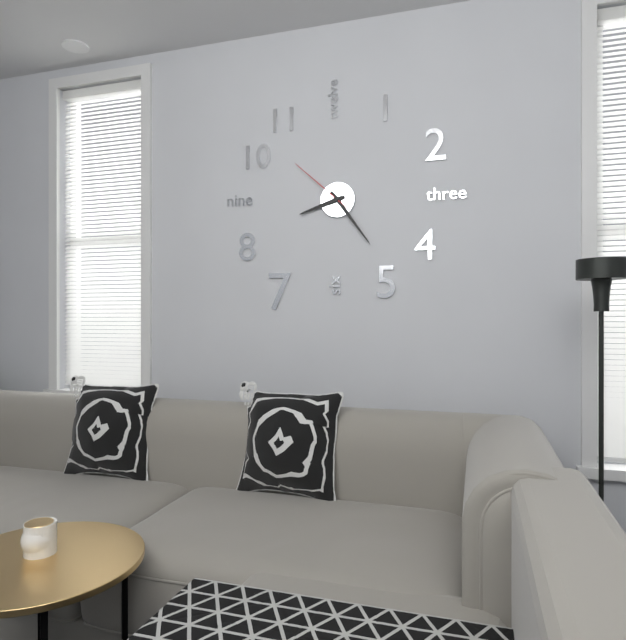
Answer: {"hour": 8, "minute": 24, "second": 52}
